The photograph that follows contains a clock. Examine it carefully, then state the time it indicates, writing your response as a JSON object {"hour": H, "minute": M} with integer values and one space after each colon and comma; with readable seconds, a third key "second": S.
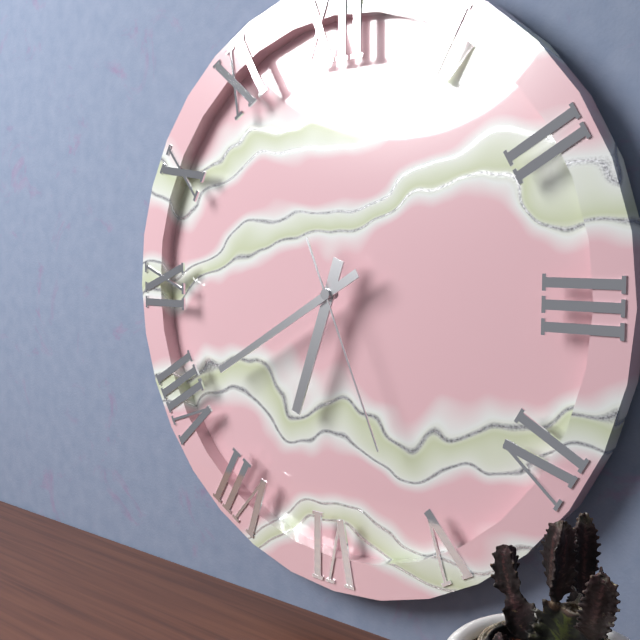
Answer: {"hour": 6, "minute": 40, "second": 26}
